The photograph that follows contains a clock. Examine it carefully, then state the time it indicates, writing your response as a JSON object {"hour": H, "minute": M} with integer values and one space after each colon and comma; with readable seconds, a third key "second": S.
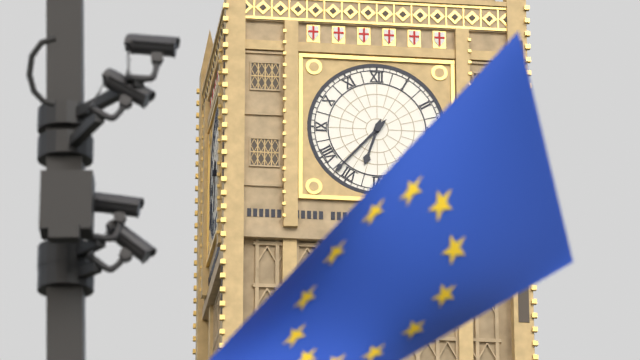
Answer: {"hour": 6, "minute": 37}
